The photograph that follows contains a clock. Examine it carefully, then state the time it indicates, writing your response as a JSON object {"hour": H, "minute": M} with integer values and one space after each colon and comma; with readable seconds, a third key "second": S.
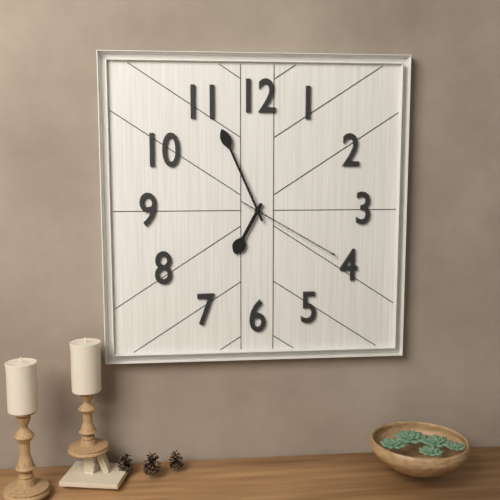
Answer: {"hour": 6, "minute": 56, "second": 20}
